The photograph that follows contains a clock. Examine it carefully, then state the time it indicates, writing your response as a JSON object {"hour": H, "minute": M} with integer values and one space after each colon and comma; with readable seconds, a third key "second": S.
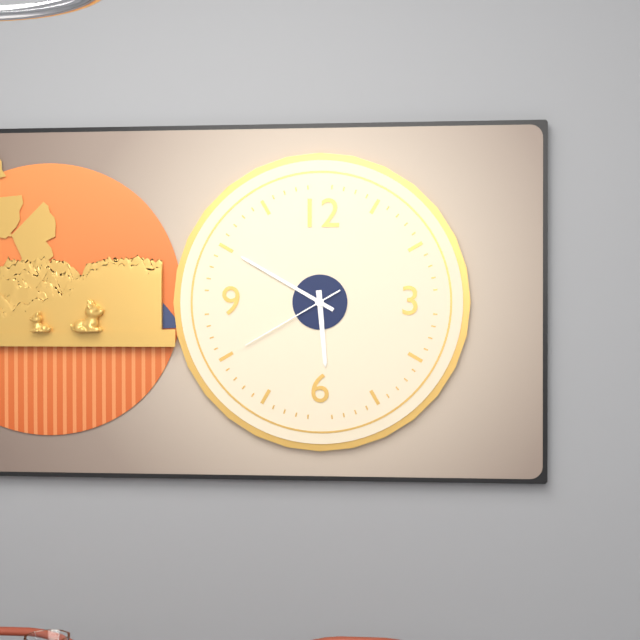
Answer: {"hour": 5, "minute": 50, "second": 40}
